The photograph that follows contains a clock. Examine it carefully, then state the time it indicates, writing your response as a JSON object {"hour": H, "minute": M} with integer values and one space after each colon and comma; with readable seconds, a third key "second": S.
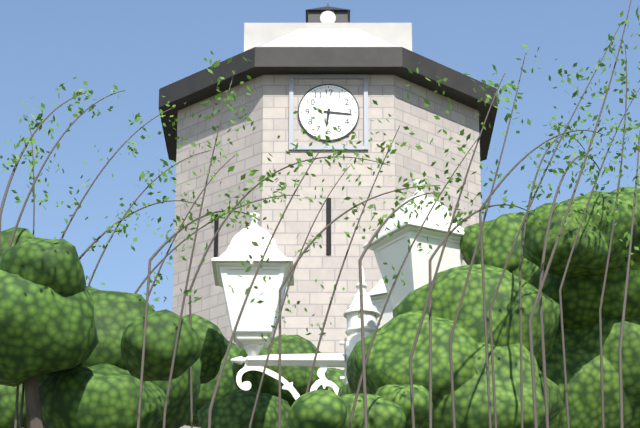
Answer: {"hour": 6, "minute": 16}
